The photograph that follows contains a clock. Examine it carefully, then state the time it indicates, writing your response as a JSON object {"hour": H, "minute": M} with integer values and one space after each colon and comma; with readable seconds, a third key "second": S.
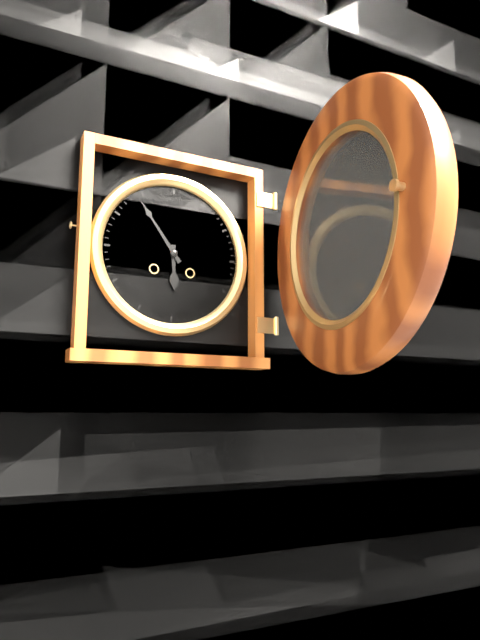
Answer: {"hour": 5, "minute": 54}
